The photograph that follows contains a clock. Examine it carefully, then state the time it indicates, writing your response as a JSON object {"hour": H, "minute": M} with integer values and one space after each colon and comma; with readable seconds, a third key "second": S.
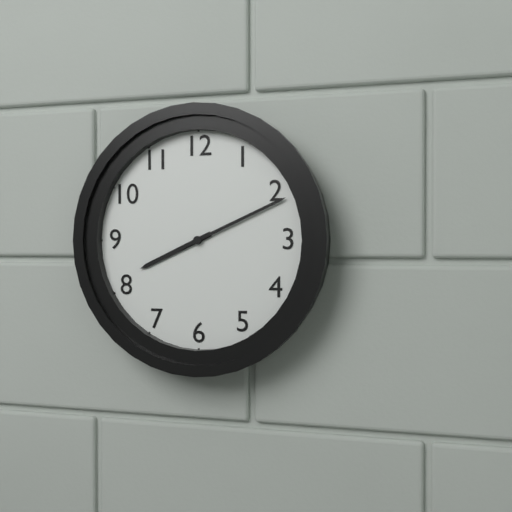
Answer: {"hour": 8, "minute": 11}
